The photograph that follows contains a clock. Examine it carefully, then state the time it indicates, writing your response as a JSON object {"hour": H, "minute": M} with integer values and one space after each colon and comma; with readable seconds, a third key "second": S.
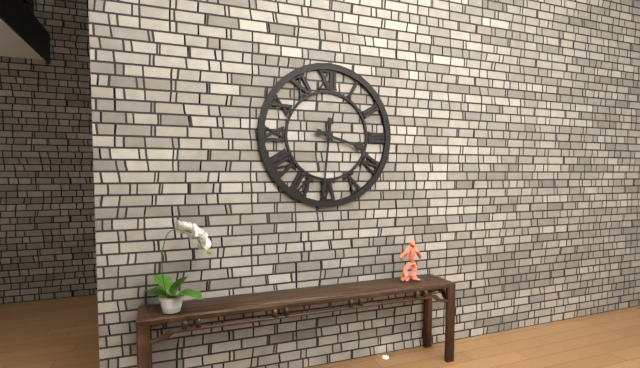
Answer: {"hour": 3, "minute": 31}
